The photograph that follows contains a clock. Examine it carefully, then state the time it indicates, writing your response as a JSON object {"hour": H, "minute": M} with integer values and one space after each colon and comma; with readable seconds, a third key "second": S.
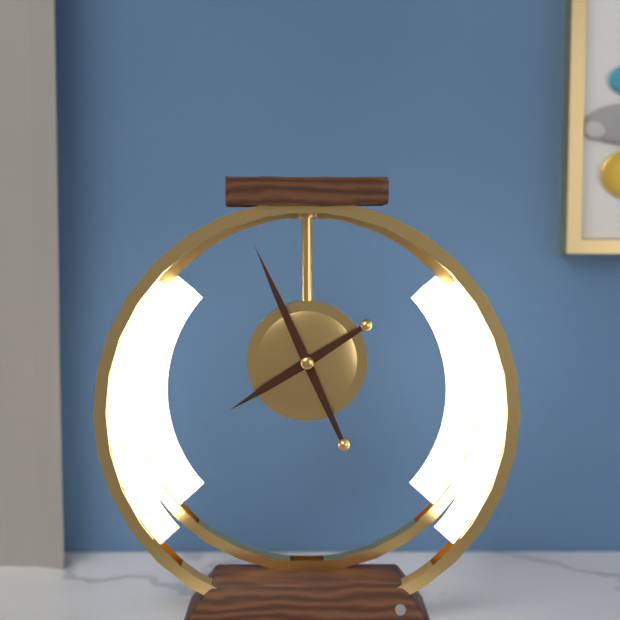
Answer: {"hour": 7, "minute": 56}
